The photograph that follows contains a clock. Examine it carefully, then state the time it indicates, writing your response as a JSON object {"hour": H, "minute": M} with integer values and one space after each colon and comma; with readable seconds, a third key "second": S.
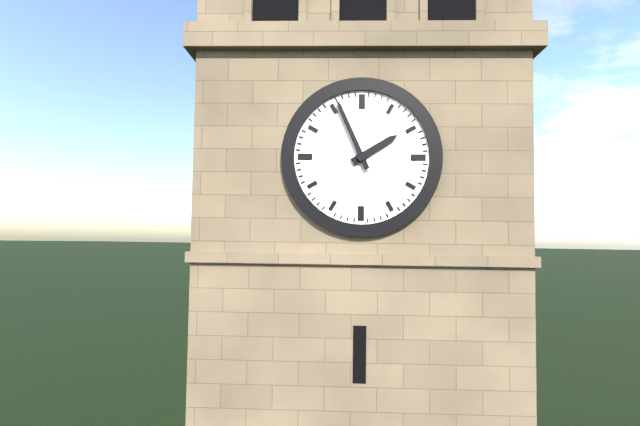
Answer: {"hour": 1, "minute": 56}
